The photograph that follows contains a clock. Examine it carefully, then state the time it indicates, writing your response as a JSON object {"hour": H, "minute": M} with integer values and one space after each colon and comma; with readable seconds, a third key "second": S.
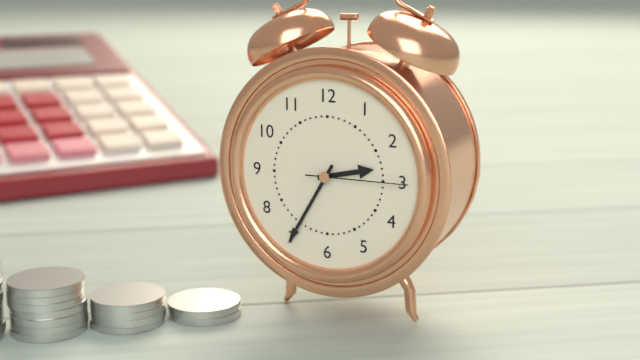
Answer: {"hour": 2, "minute": 35, "second": 15}
